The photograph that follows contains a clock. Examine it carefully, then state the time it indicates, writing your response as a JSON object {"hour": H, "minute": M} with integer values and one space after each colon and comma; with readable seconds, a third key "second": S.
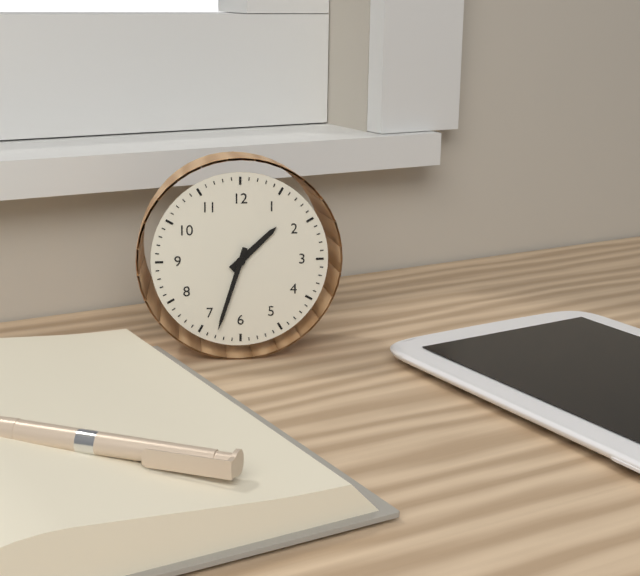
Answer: {"hour": 1, "minute": 33}
